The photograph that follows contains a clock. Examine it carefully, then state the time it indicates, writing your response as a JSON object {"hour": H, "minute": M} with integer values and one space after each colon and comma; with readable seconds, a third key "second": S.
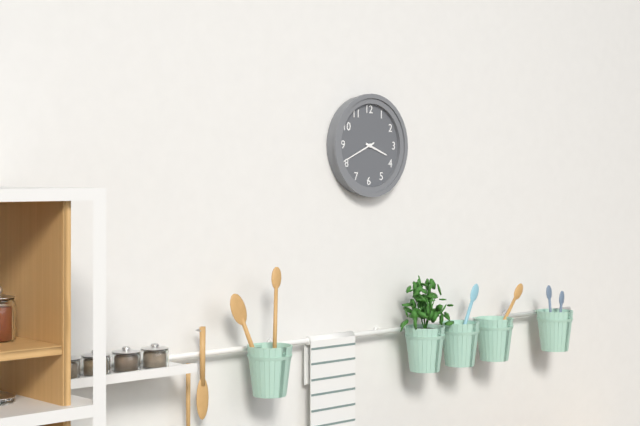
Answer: {"hour": 3, "minute": 41}
